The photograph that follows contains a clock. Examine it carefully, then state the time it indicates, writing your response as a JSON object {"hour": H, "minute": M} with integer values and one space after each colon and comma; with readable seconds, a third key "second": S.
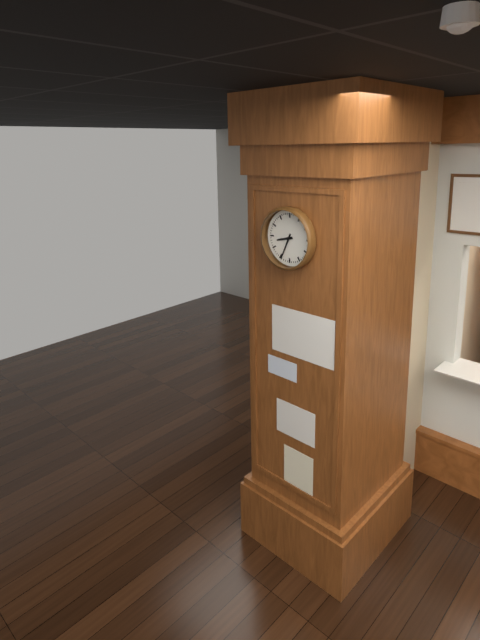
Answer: {"hour": 8, "minute": 34}
